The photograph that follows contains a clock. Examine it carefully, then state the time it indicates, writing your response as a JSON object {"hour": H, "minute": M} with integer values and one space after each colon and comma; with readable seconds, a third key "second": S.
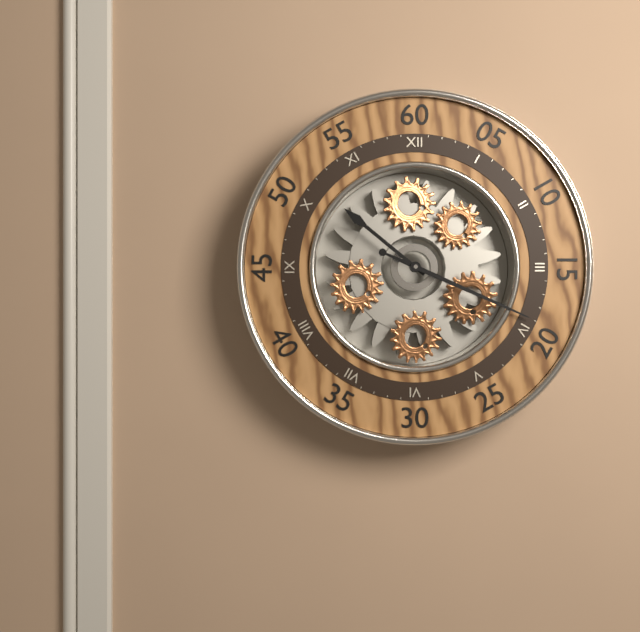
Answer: {"hour": 10, "minute": 19}
